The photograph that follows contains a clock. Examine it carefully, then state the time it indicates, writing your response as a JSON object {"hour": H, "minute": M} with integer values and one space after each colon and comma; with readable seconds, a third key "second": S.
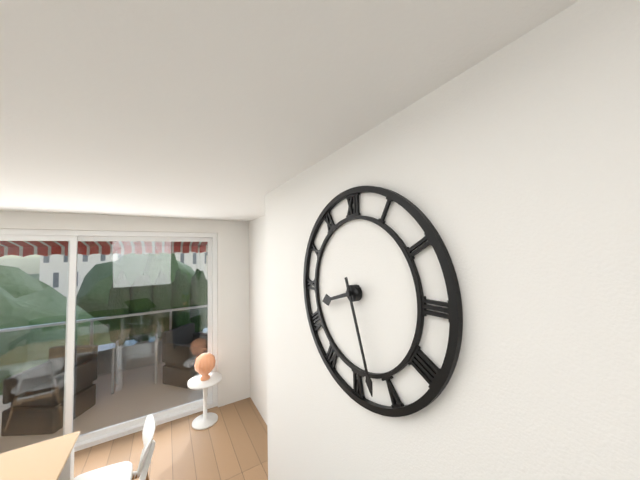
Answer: {"hour": 8, "minute": 27}
